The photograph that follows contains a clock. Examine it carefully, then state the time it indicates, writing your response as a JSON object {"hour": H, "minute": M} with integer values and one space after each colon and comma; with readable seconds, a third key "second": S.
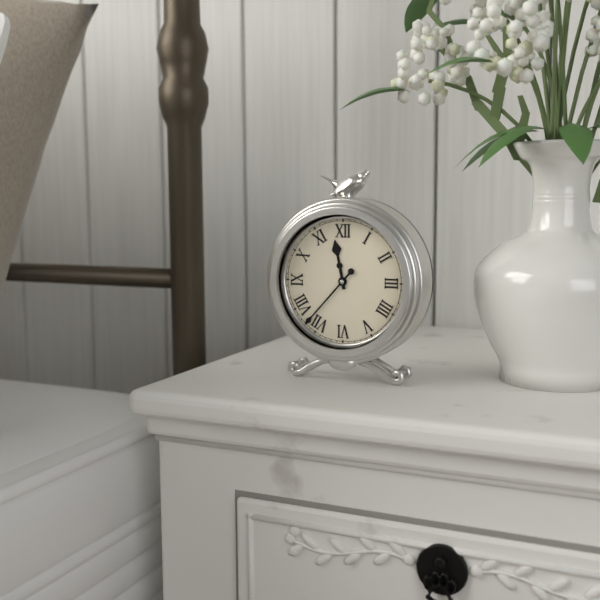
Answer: {"hour": 11, "minute": 37}
